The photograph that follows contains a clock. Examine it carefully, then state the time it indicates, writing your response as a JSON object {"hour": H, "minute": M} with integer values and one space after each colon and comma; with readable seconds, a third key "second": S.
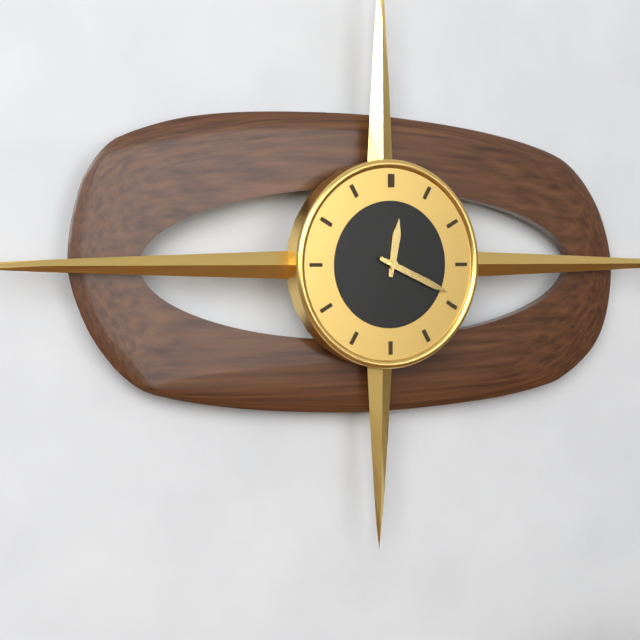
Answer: {"hour": 12, "minute": 19}
